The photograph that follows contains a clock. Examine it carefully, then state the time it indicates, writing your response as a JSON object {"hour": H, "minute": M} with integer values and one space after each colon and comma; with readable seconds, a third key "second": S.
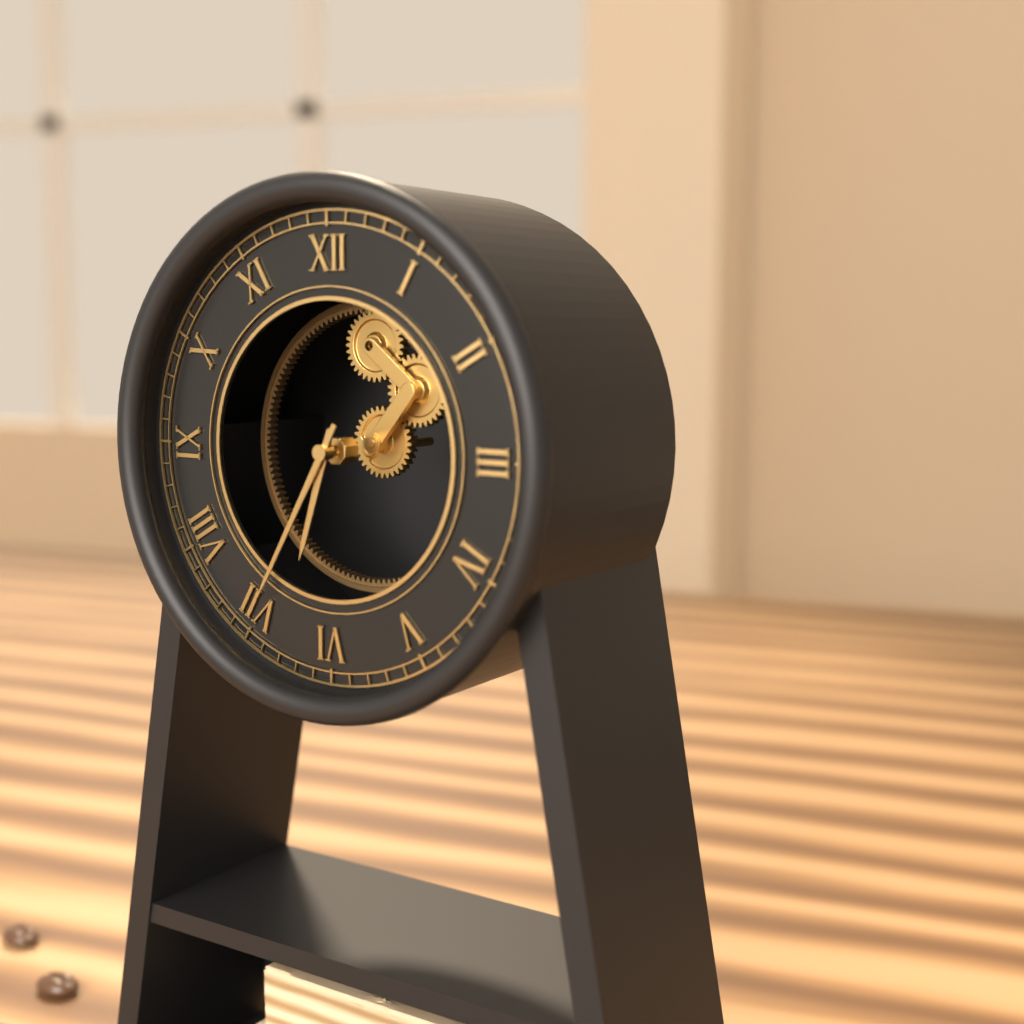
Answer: {"hour": 6, "minute": 35}
